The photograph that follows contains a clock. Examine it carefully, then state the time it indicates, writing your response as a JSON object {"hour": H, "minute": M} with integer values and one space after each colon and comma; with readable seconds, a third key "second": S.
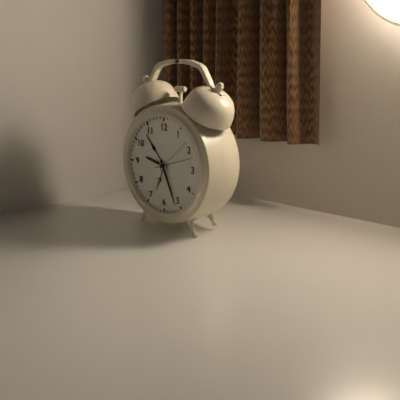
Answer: {"hour": 9, "minute": 26}
